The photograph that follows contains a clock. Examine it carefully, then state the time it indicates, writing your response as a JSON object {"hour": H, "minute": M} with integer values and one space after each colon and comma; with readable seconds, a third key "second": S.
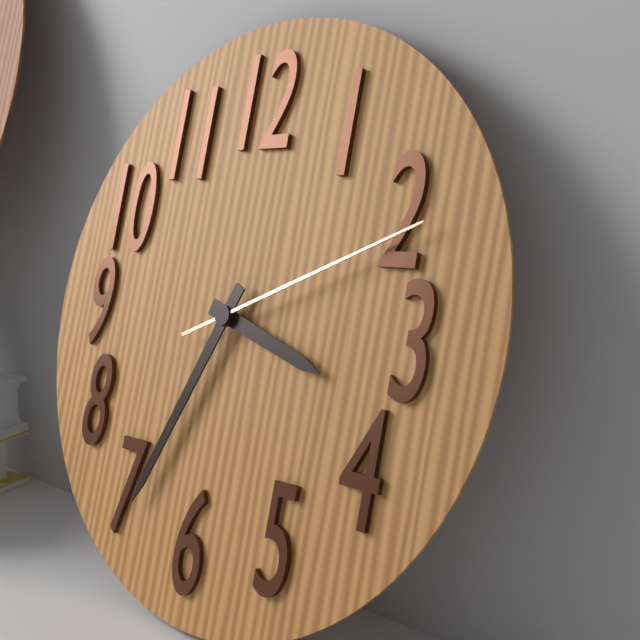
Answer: {"hour": 3, "minute": 34, "second": 11}
